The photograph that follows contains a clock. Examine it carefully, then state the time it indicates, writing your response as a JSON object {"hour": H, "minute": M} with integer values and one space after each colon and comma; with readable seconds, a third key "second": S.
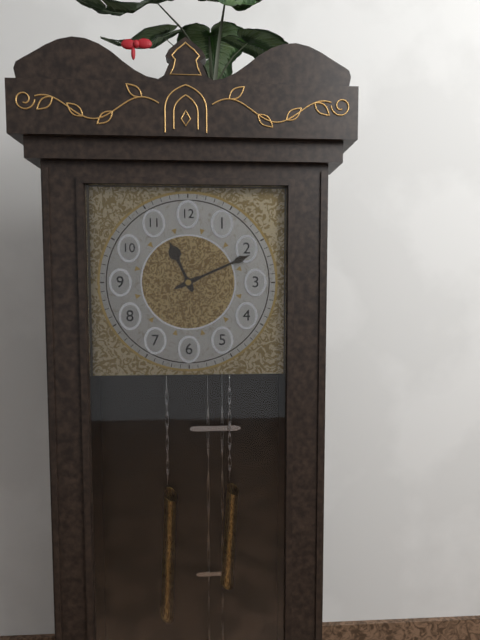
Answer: {"hour": 11, "minute": 11}
